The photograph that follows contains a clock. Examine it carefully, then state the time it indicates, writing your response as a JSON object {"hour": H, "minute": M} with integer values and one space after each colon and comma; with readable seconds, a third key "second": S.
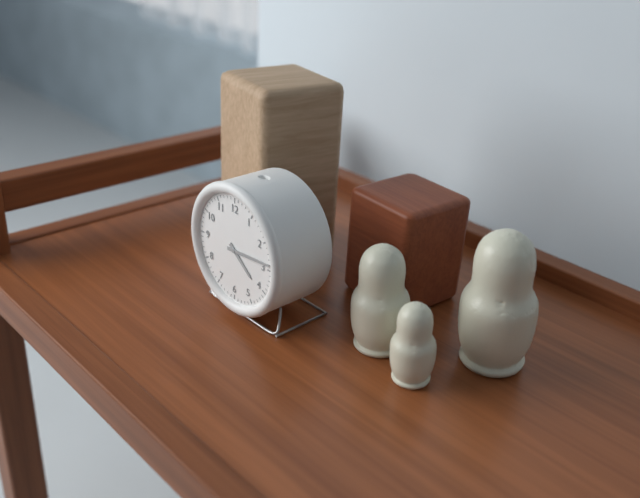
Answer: {"hour": 4, "minute": 14}
